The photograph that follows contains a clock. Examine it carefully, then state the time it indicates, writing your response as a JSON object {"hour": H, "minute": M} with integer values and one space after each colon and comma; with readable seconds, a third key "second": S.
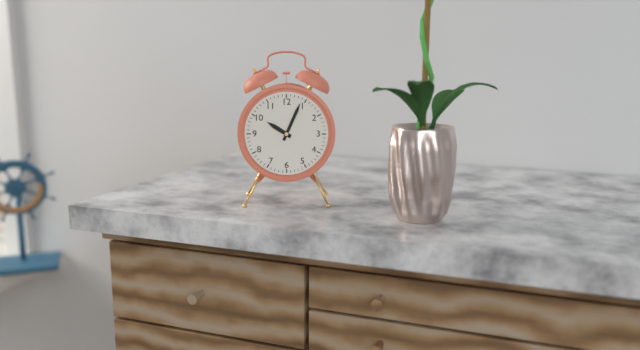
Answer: {"hour": 10, "minute": 4}
